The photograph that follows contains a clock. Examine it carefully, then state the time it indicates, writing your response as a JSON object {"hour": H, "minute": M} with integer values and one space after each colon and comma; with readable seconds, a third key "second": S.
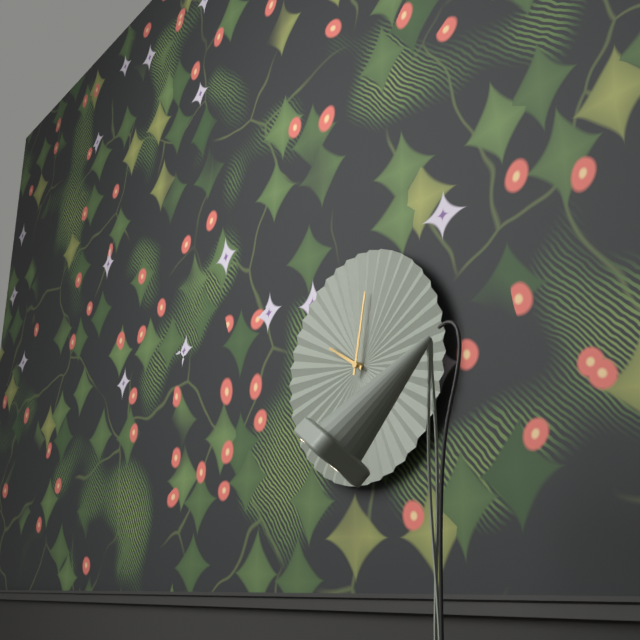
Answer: {"hour": 10, "minute": 2}
